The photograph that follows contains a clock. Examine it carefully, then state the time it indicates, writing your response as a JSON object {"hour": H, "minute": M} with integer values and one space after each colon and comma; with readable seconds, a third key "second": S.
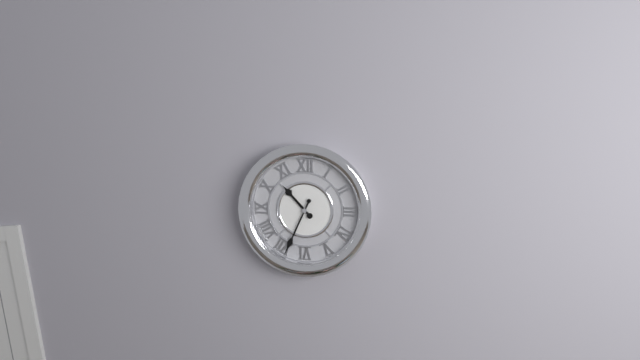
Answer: {"hour": 10, "minute": 34}
